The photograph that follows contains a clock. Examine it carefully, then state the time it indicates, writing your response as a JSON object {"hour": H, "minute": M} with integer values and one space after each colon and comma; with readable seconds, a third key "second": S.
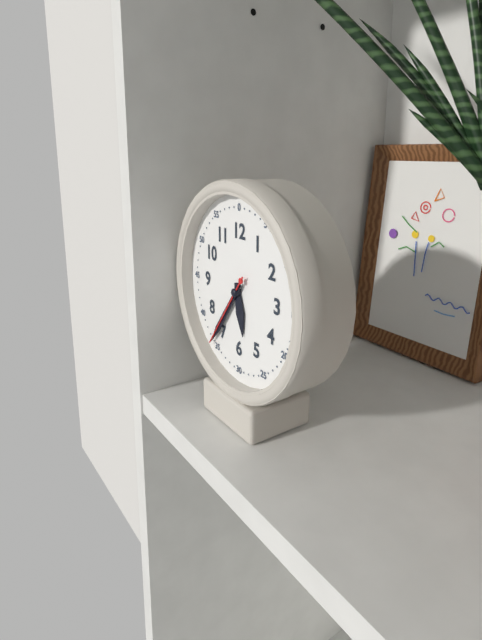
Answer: {"hour": 5, "minute": 36, "second": 36}
